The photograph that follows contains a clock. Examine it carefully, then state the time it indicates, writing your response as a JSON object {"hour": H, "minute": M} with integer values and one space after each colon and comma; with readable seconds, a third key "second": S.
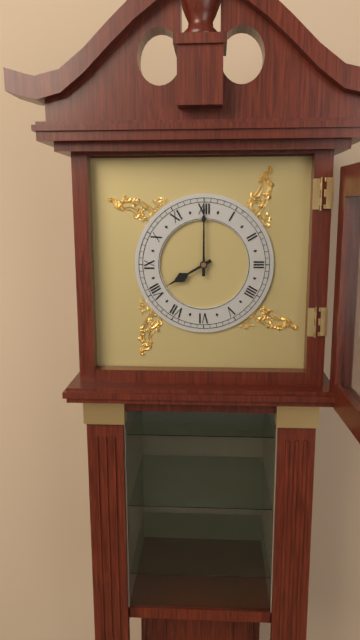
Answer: {"hour": 8, "minute": 0}
